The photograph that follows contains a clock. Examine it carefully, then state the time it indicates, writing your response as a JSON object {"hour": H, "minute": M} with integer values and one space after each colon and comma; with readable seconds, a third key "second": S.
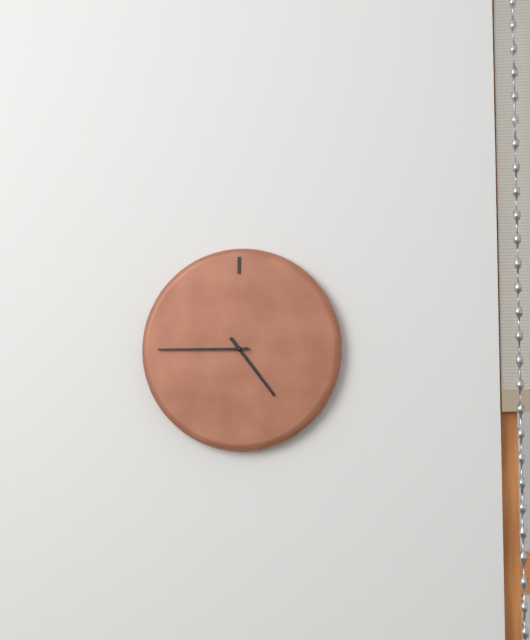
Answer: {"hour": 4, "minute": 45}
